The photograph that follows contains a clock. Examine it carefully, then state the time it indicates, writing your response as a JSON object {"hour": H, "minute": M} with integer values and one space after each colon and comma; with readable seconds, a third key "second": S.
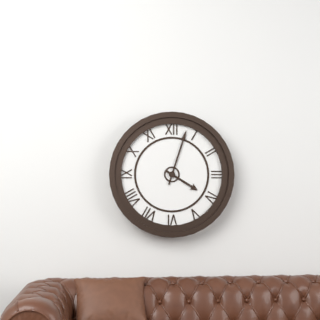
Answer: {"hour": 4, "minute": 3}
